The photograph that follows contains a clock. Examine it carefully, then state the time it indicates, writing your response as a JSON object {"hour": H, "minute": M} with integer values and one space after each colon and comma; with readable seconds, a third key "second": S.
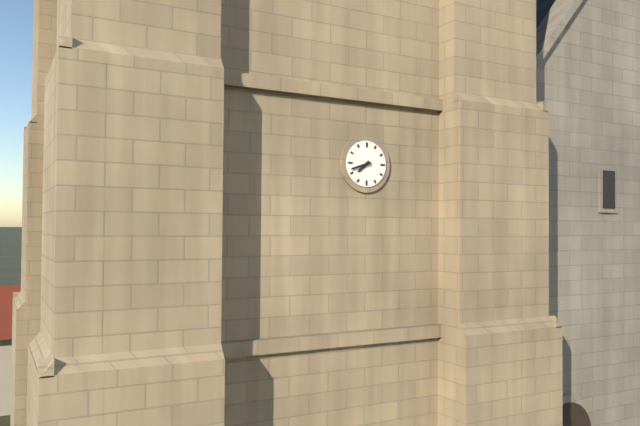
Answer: {"hour": 7, "minute": 42}
